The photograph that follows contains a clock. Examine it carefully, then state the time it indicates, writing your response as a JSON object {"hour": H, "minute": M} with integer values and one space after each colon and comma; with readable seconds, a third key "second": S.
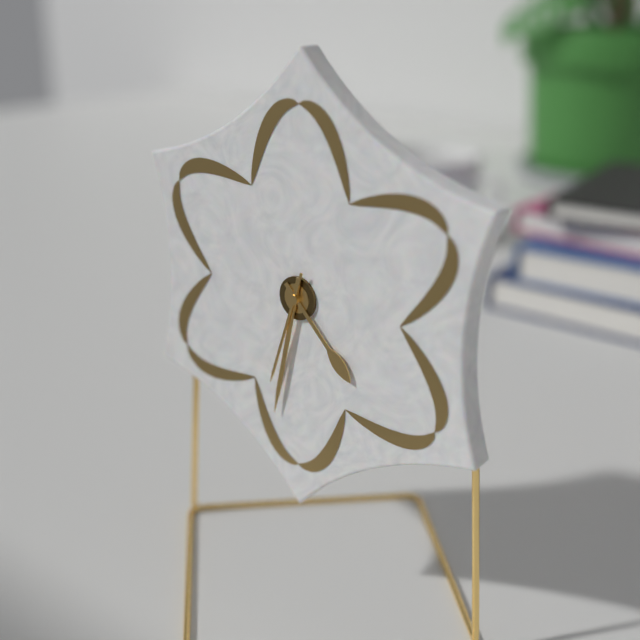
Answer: {"hour": 4, "minute": 32, "second": 33}
